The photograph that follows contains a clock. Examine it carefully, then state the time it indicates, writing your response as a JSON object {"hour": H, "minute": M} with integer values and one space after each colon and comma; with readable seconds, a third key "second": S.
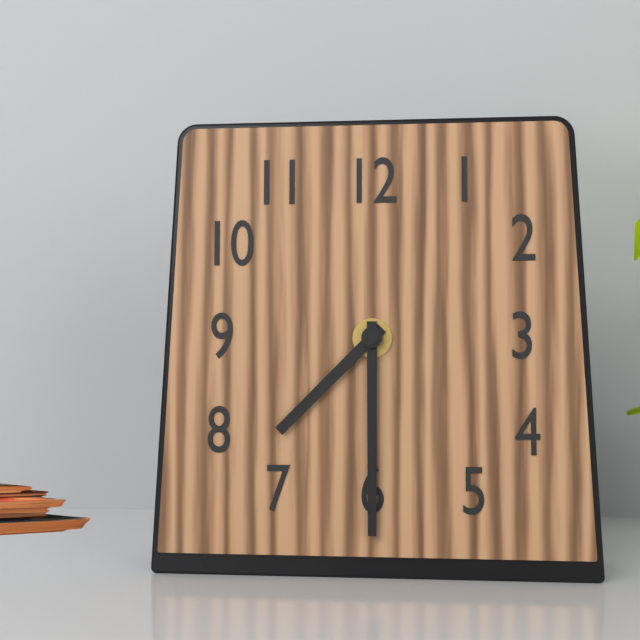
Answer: {"hour": 7, "minute": 30}
